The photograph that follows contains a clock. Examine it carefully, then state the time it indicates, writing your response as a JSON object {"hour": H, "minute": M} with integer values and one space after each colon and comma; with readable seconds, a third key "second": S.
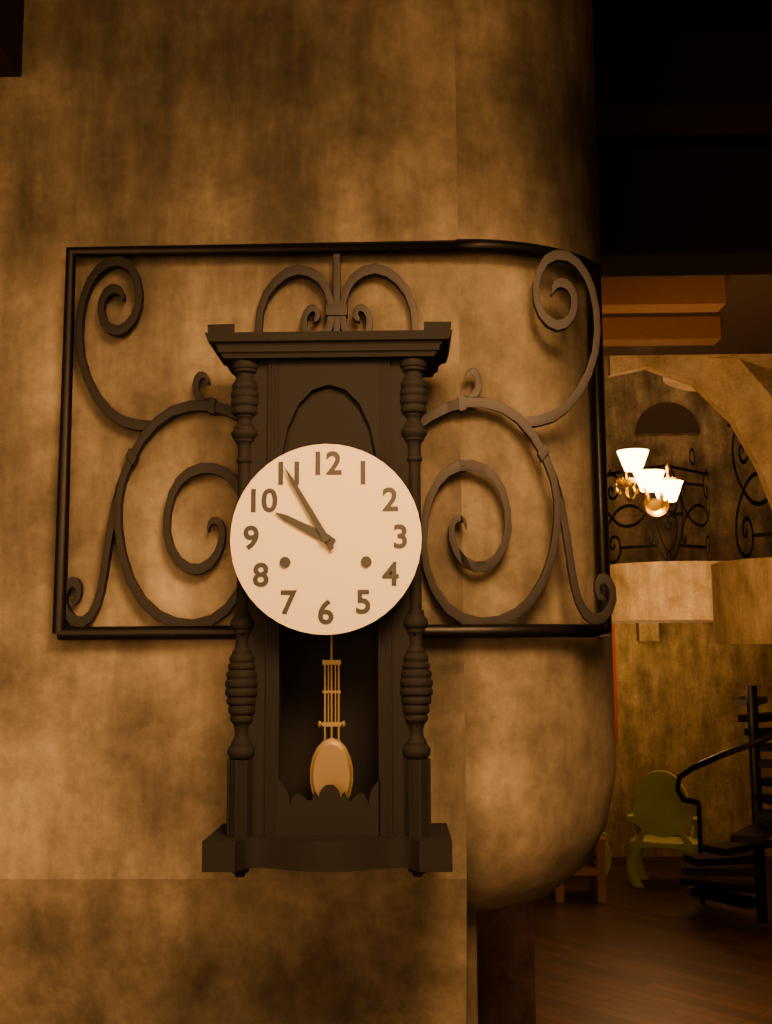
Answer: {"hour": 9, "minute": 55}
